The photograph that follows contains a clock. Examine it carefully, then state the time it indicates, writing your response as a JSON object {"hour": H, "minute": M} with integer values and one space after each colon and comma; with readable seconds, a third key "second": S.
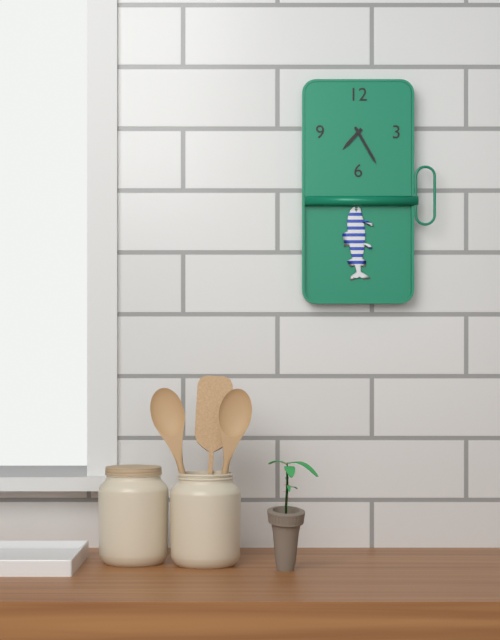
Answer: {"hour": 7, "minute": 25}
